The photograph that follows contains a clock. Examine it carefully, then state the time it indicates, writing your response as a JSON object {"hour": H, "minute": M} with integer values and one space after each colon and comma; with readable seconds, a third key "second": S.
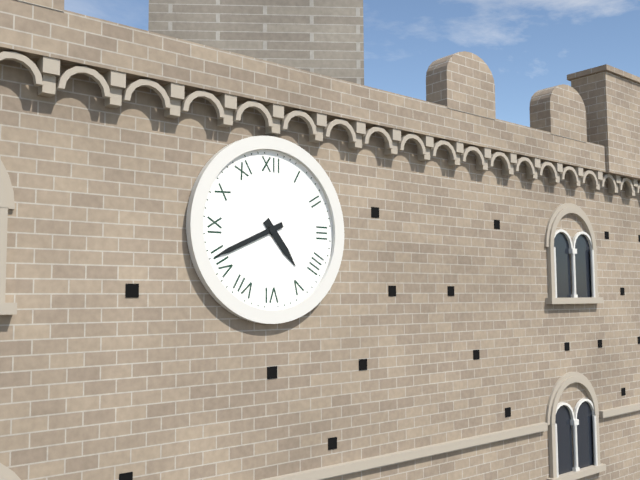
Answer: {"hour": 4, "minute": 41}
